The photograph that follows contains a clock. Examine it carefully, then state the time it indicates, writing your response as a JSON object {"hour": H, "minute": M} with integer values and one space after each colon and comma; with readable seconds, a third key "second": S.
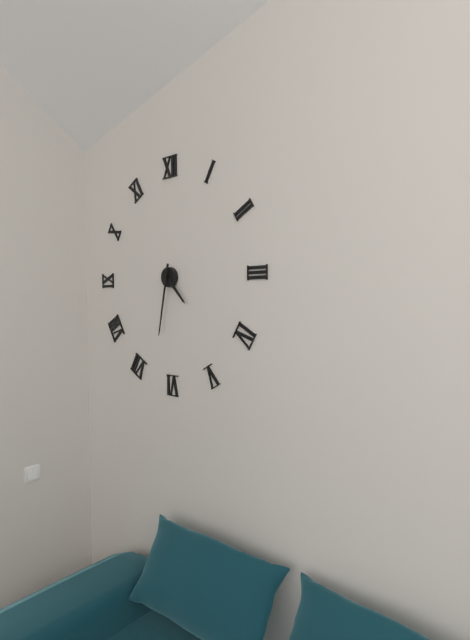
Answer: {"hour": 4, "minute": 32}
